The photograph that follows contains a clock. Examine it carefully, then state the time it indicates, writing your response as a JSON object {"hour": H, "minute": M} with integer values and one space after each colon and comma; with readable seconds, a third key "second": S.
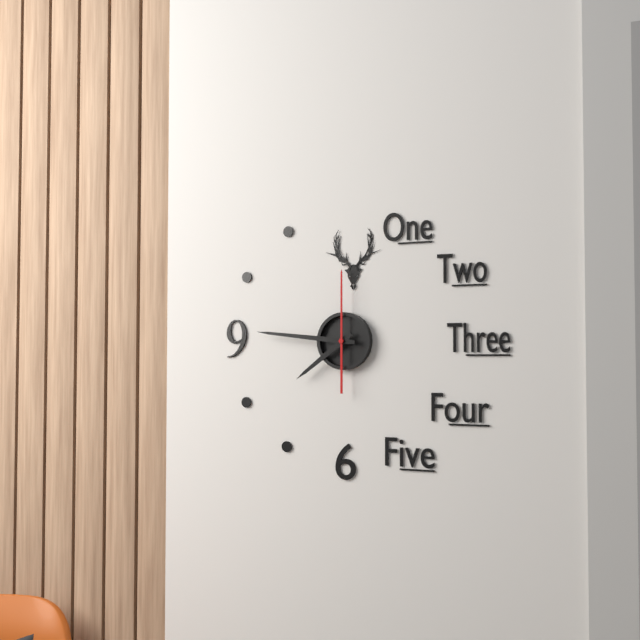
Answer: {"hour": 7, "minute": 46, "second": 0}
